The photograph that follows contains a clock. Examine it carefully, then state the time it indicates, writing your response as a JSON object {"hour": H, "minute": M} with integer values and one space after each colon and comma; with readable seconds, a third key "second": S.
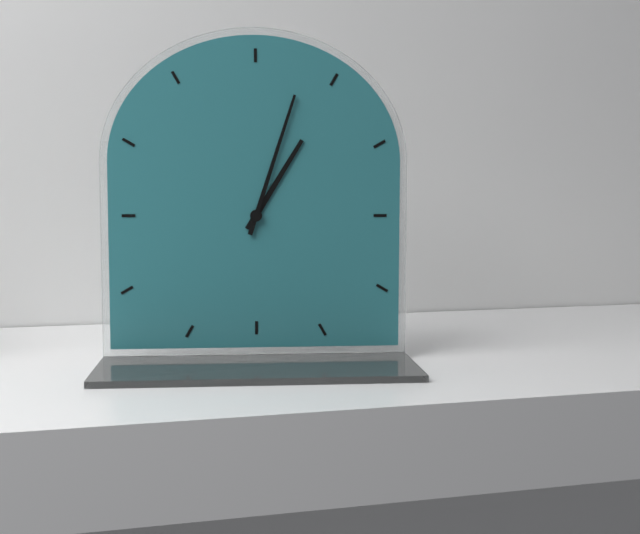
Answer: {"hour": 1, "minute": 3}
